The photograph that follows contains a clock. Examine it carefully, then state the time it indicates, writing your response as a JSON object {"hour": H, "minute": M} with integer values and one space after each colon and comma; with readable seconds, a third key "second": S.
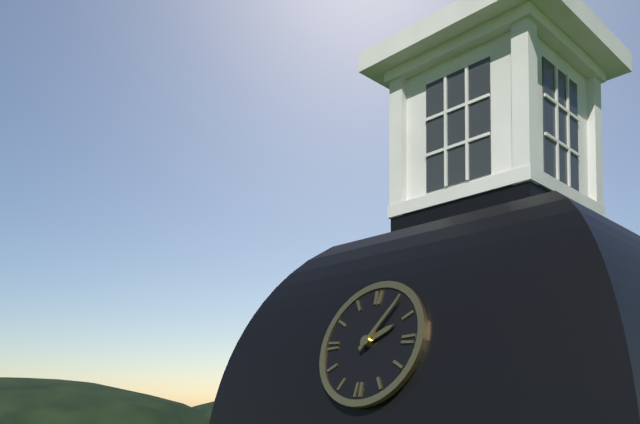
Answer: {"hour": 2, "minute": 6}
